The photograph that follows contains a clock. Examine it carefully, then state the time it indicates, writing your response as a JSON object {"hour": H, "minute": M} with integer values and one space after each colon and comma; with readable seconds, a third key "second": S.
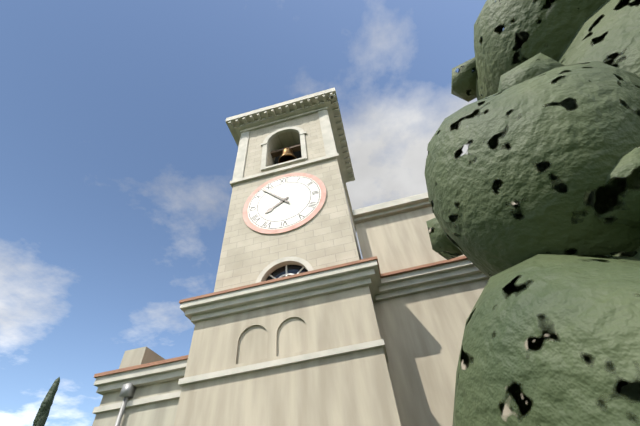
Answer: {"hour": 7, "minute": 53}
